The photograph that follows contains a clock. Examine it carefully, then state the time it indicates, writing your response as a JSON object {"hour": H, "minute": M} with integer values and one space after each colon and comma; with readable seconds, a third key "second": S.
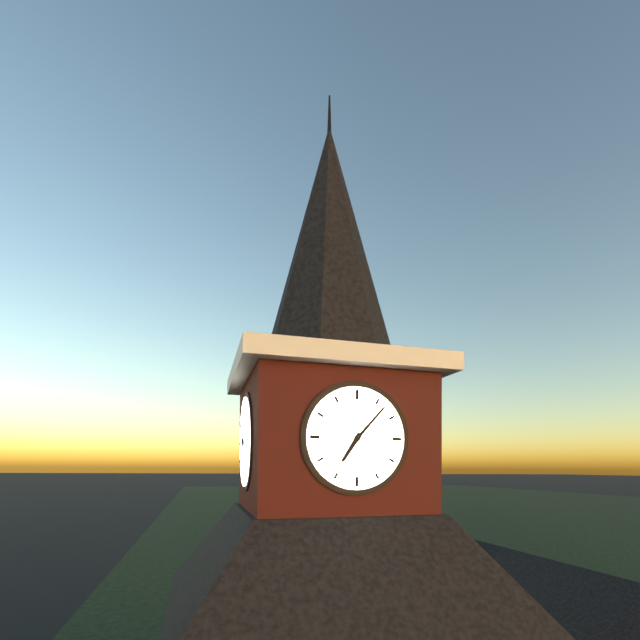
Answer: {"hour": 7, "minute": 7}
